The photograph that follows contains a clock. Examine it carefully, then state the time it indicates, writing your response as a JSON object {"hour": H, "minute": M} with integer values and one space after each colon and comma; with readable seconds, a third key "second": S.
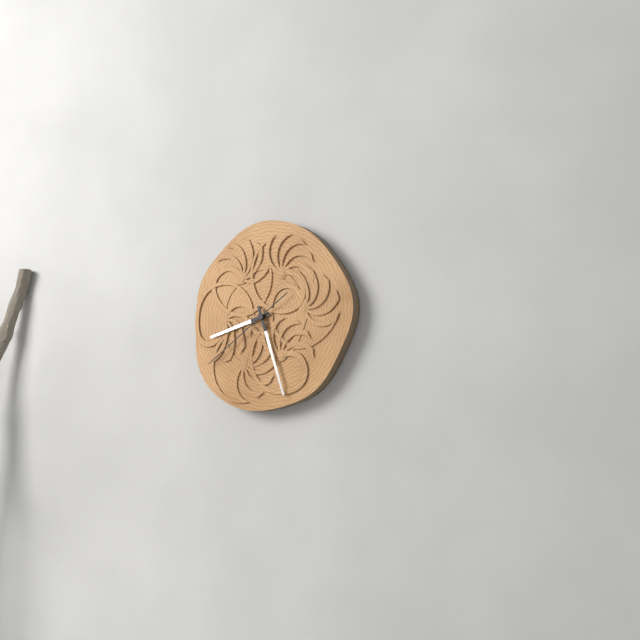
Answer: {"hour": 8, "minute": 27, "second": 39}
